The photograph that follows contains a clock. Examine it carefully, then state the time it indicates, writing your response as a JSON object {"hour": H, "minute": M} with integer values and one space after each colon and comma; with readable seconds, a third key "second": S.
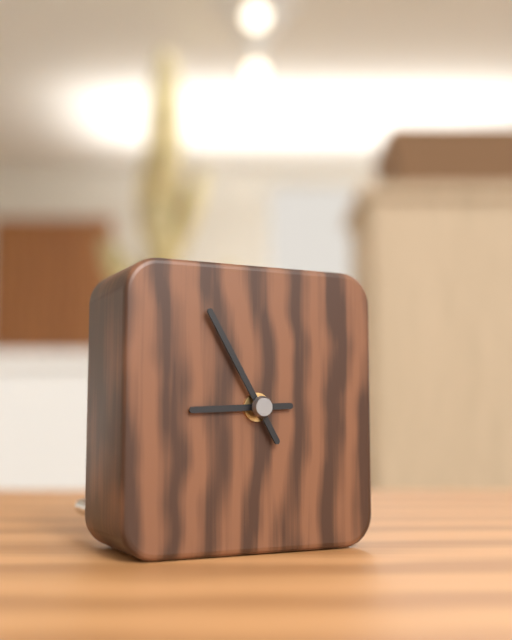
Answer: {"hour": 8, "minute": 55}
